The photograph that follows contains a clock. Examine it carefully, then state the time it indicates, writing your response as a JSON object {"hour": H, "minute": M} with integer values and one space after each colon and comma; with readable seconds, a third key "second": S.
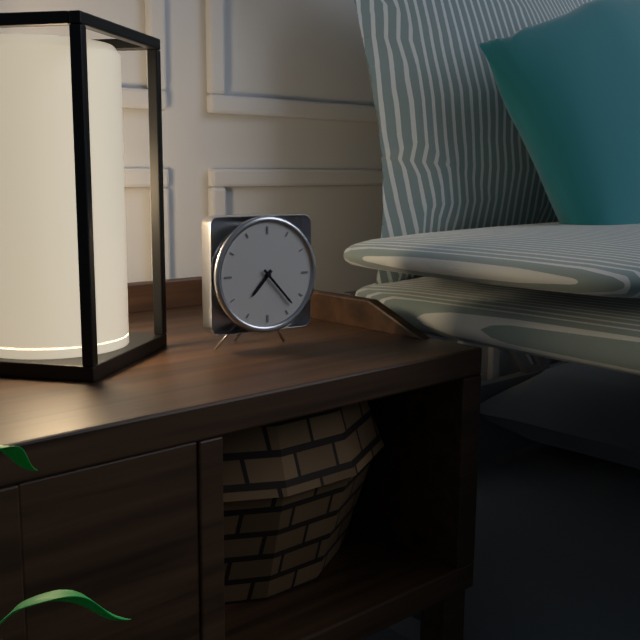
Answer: {"hour": 7, "minute": 23}
